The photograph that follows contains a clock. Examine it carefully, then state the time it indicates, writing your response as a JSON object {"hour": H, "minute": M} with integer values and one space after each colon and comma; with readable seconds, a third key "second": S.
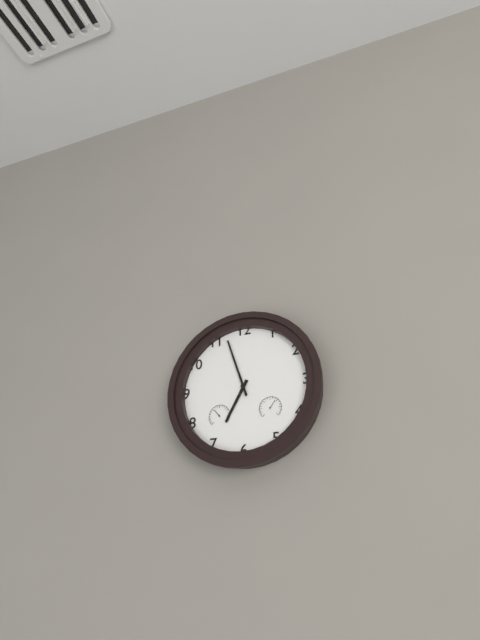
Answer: {"hour": 6, "minute": 57}
